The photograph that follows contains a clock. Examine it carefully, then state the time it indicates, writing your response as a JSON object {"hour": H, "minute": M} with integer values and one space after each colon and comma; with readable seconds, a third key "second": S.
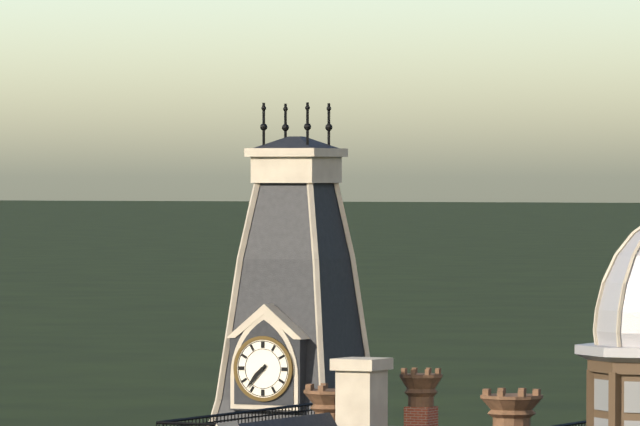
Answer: {"hour": 7, "minute": 37}
